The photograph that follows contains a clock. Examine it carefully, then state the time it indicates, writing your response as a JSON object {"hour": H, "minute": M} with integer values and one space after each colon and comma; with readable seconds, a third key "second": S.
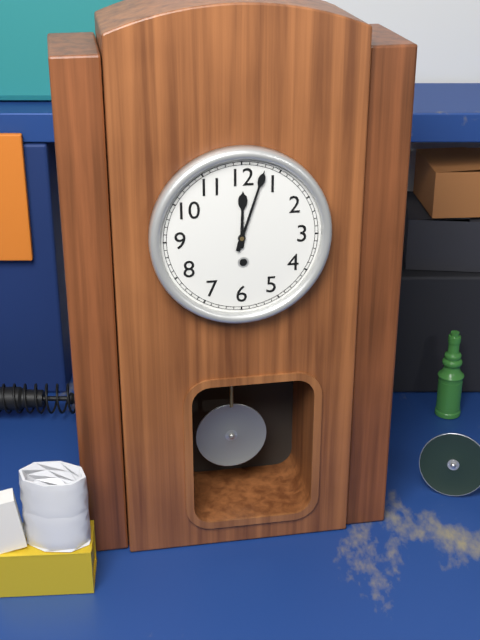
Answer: {"hour": 12, "minute": 3}
